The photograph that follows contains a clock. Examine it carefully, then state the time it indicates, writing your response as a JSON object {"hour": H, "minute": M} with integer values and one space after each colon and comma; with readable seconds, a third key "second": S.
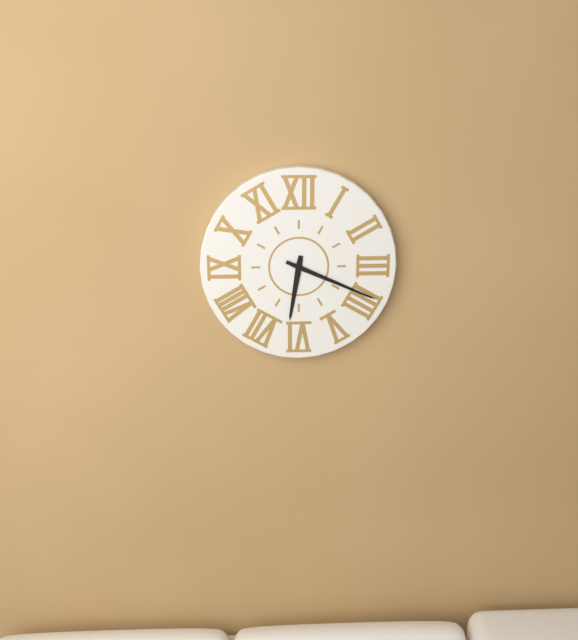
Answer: {"hour": 6, "minute": 19}
